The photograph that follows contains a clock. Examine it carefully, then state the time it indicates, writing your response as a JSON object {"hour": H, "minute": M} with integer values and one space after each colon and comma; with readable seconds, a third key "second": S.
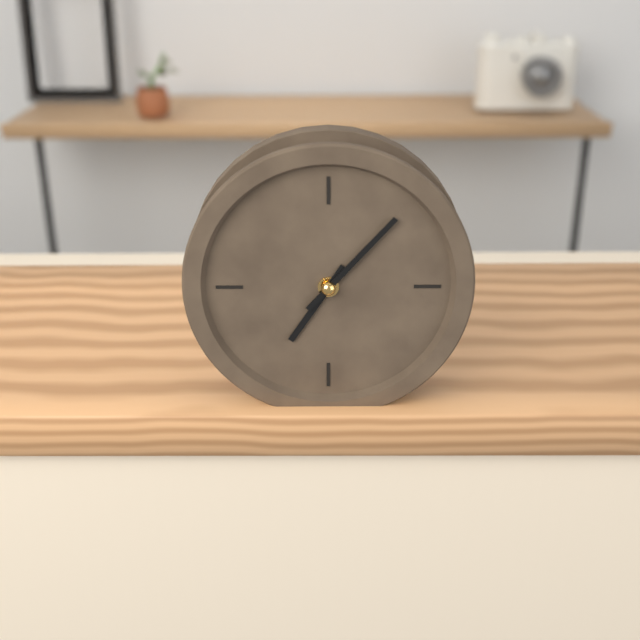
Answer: {"hour": 7, "minute": 7}
